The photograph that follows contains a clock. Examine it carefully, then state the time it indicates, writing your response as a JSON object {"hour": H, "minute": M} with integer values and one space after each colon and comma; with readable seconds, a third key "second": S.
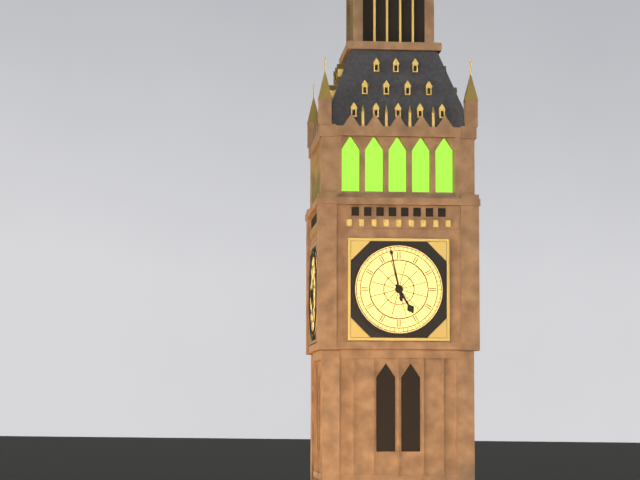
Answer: {"hour": 4, "minute": 58}
